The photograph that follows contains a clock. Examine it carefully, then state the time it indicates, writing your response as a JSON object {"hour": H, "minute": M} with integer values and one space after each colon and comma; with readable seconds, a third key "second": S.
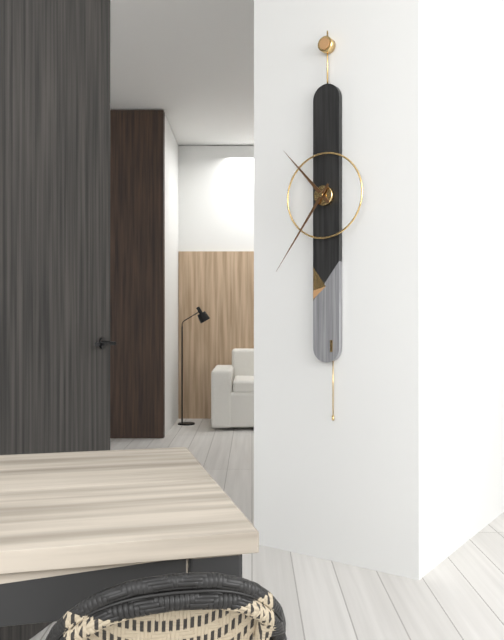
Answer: {"hour": 10, "minute": 36}
